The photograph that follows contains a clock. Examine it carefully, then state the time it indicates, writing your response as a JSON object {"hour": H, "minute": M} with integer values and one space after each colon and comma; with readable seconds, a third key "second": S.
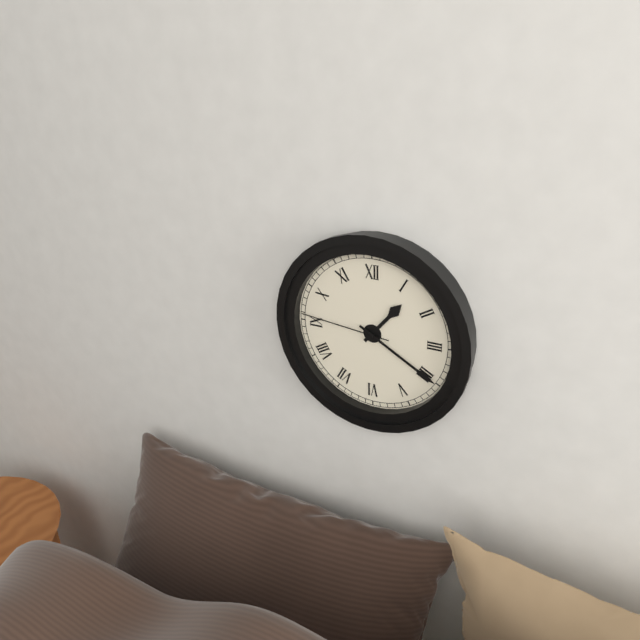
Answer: {"hour": 1, "minute": 20, "second": 46}
